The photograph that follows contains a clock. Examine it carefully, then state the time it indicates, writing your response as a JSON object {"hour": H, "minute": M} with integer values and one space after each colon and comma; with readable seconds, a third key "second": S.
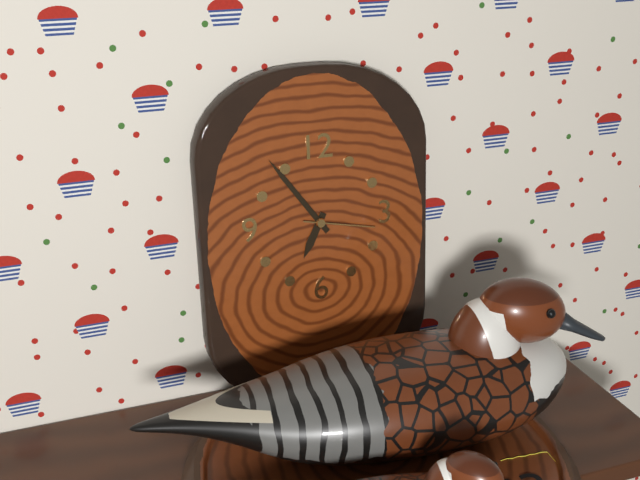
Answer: {"hour": 6, "minute": 54, "second": 17}
